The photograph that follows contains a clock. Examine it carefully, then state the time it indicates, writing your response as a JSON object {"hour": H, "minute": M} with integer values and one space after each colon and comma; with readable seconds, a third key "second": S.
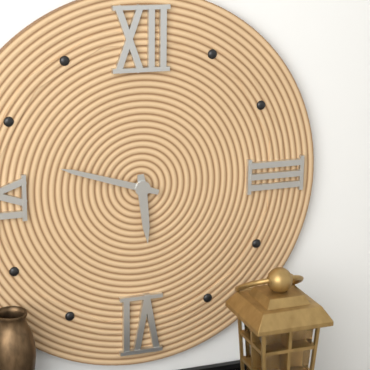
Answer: {"hour": 5, "minute": 48}
